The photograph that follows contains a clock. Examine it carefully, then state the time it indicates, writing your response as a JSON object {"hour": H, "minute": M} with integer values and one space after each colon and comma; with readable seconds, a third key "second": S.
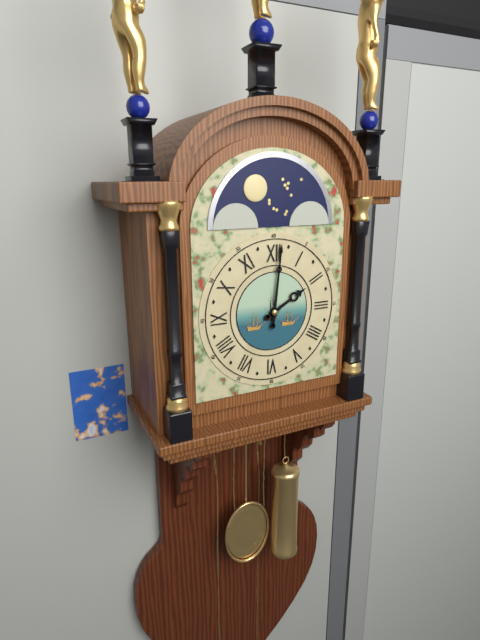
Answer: {"hour": 2, "minute": 1}
